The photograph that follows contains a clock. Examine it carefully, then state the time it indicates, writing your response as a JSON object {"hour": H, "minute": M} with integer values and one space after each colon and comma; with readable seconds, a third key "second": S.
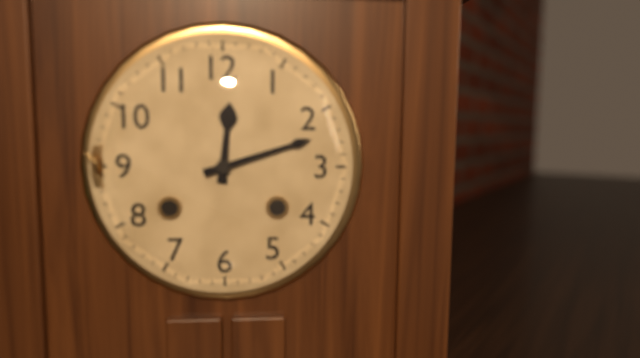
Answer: {"hour": 12, "minute": 12}
